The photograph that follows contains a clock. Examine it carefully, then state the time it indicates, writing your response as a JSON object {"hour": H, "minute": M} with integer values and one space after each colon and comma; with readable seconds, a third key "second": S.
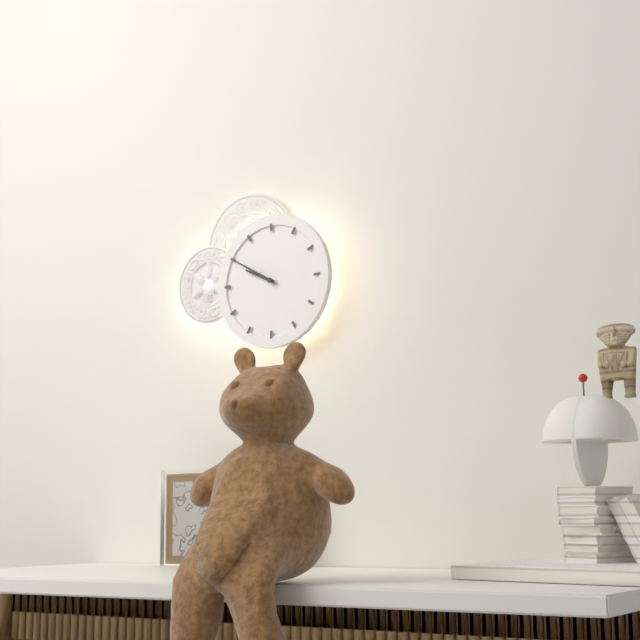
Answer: {"hour": 9, "minute": 50}
